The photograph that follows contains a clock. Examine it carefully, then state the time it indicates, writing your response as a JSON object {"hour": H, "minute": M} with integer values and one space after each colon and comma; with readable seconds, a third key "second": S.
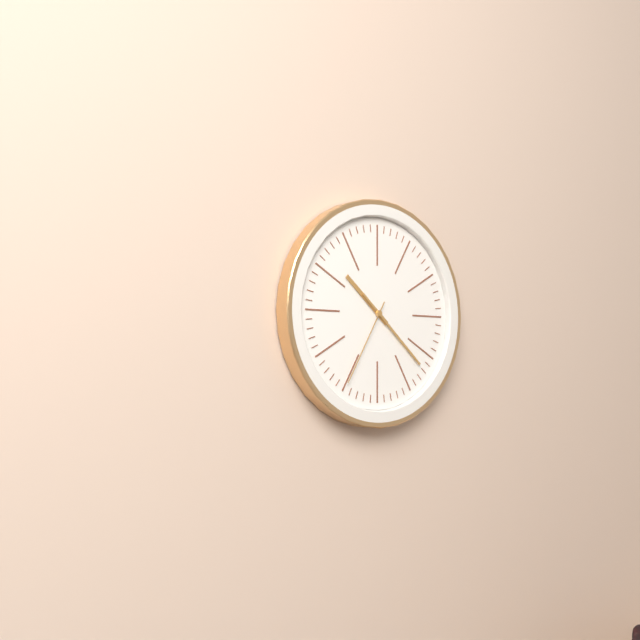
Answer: {"hour": 10, "minute": 22, "second": 35}
